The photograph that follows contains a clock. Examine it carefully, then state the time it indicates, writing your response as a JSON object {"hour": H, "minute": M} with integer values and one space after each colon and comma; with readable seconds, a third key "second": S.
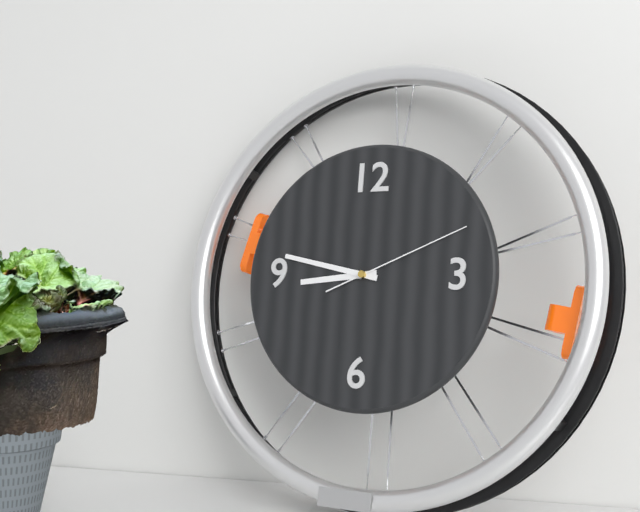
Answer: {"hour": 8, "minute": 47, "second": 11}
